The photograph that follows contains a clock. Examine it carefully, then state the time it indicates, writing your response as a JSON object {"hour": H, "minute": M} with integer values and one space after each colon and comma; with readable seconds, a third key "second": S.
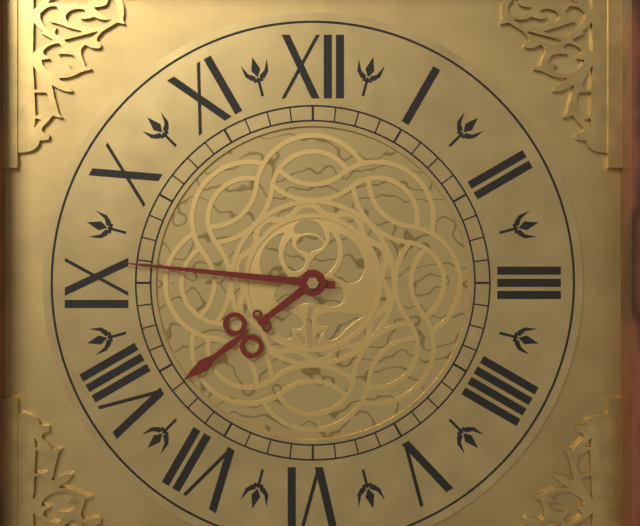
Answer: {"hour": 7, "minute": 46}
